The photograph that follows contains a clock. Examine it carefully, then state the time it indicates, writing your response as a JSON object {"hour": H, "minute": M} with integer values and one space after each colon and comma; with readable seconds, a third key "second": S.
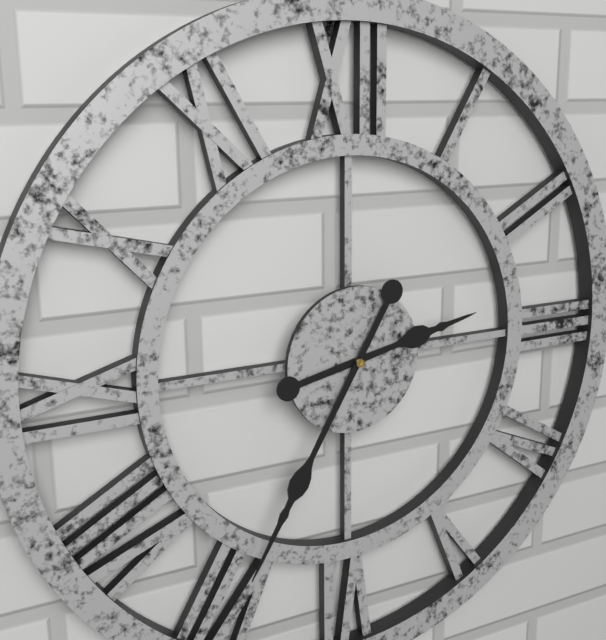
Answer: {"hour": 2, "minute": 35}
